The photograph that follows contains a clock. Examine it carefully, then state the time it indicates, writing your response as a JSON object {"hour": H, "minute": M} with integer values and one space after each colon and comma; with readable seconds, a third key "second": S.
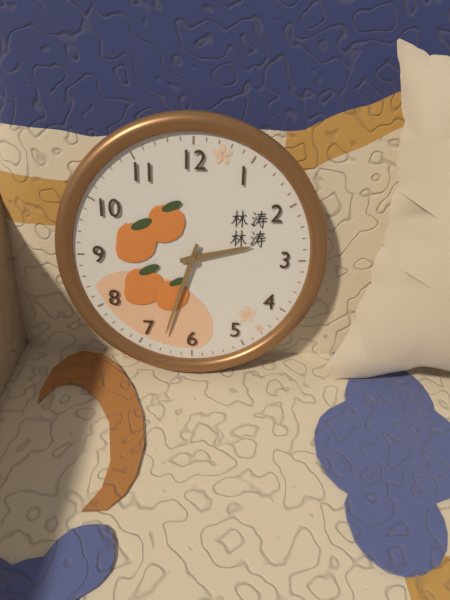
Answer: {"hour": 2, "minute": 33}
